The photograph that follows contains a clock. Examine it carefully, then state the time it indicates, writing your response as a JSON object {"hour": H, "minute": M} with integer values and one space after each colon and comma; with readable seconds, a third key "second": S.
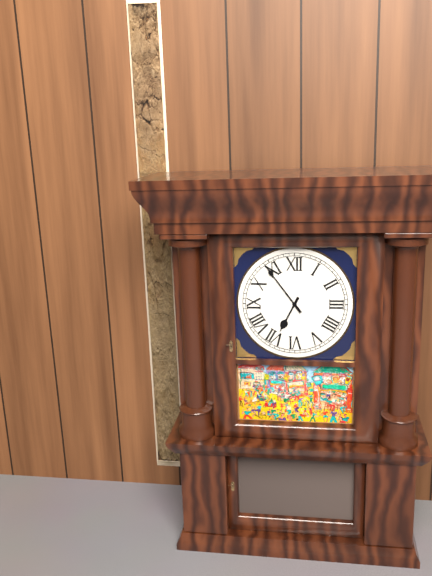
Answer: {"hour": 6, "minute": 54}
